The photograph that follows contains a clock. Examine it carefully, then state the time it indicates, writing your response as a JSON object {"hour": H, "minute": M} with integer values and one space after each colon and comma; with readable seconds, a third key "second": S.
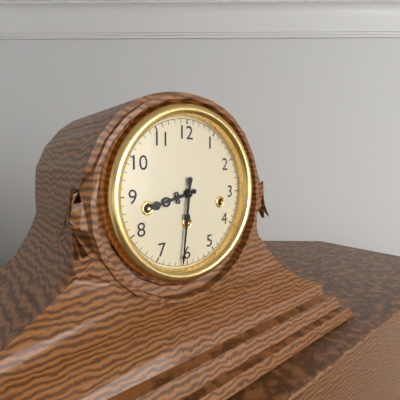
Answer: {"hour": 8, "minute": 31}
